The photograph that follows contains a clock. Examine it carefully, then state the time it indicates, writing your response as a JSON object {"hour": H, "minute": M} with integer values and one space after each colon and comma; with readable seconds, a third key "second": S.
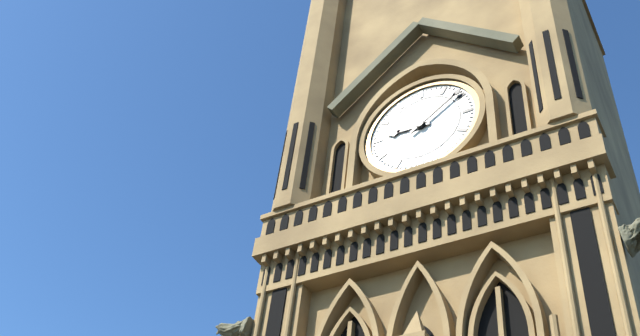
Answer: {"hour": 9, "minute": 9}
